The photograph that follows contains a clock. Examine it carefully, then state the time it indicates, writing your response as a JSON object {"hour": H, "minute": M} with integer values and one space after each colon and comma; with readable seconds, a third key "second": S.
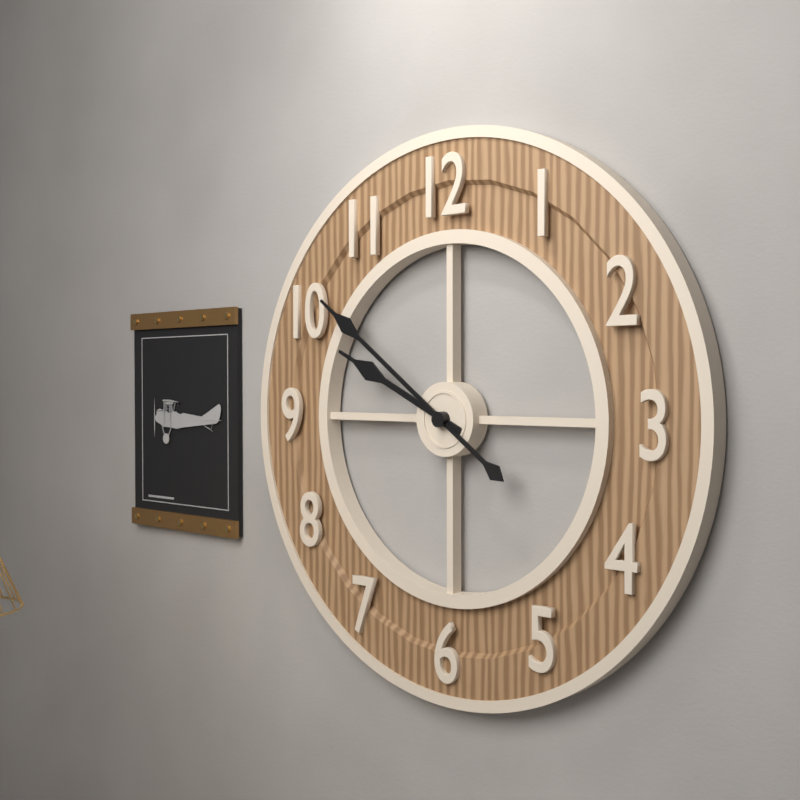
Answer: {"hour": 9, "minute": 51}
